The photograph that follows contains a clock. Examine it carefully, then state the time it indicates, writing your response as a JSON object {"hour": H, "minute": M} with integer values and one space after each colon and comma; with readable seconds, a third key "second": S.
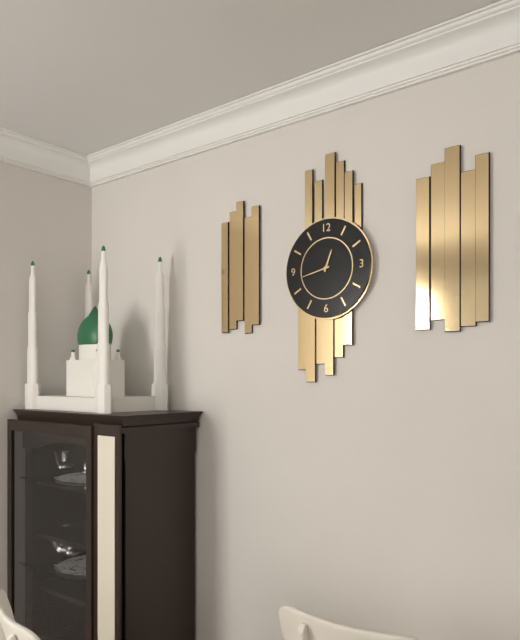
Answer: {"hour": 12, "minute": 43}
